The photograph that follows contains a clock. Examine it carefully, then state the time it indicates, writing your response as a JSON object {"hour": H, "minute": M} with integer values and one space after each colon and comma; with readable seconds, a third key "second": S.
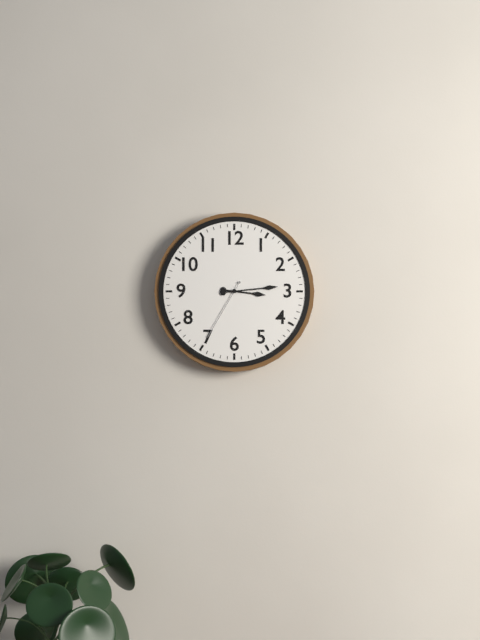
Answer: {"hour": 3, "minute": 14, "second": 35}
